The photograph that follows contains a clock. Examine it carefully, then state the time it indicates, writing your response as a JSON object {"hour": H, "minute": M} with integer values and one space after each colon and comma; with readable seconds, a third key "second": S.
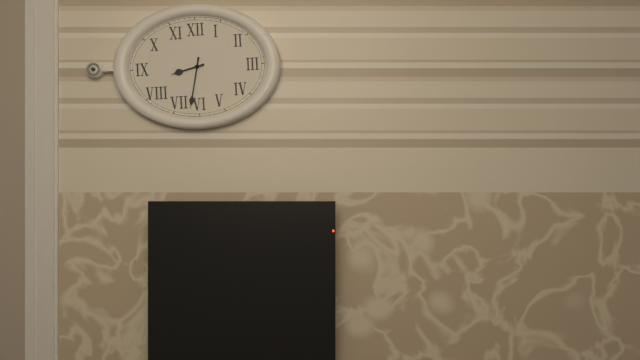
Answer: {"hour": 8, "minute": 32}
